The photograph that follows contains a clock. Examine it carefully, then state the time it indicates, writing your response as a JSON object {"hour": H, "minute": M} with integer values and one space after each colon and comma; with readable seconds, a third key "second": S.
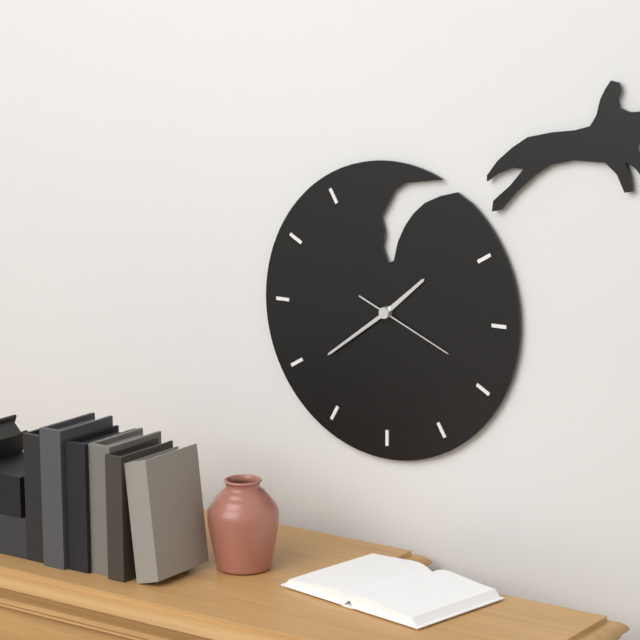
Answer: {"hour": 1, "minute": 39, "second": 19}
